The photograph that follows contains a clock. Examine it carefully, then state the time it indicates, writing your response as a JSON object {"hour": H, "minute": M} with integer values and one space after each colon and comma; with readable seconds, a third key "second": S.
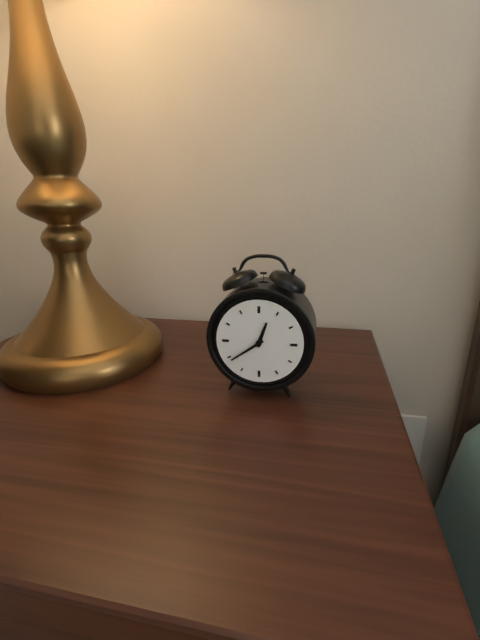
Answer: {"hour": 12, "minute": 39}
